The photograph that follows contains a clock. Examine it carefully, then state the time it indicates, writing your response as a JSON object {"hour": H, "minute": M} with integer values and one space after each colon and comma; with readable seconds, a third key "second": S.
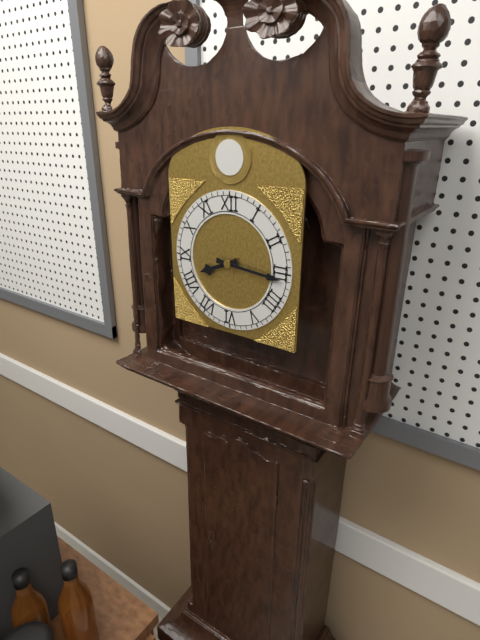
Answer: {"hour": 8, "minute": 16}
